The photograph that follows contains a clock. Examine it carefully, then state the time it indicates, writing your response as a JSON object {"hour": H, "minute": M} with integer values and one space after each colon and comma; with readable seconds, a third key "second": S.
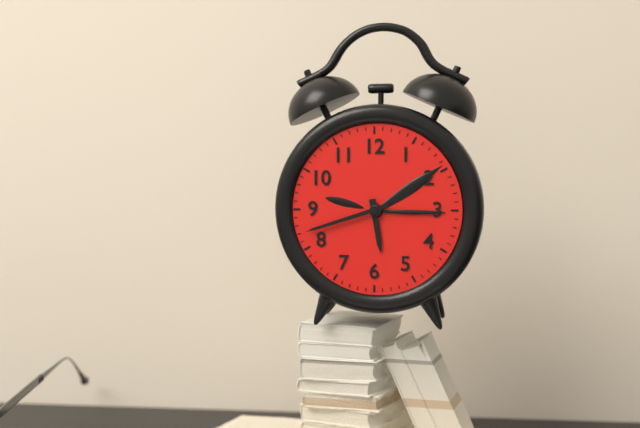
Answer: {"hour": 5, "minute": 42}
